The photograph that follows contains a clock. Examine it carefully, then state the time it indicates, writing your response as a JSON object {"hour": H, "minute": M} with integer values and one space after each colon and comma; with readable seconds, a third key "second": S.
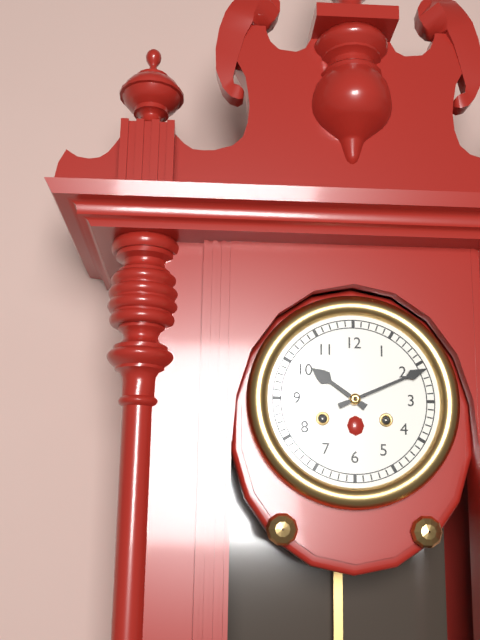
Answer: {"hour": 10, "minute": 11}
